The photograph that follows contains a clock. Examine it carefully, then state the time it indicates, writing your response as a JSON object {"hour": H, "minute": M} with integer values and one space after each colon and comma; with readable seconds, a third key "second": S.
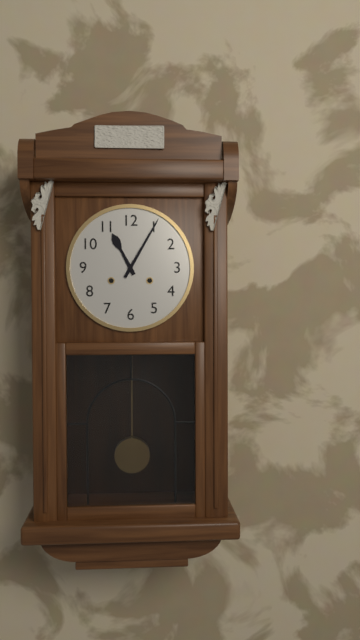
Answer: {"hour": 11, "minute": 5}
